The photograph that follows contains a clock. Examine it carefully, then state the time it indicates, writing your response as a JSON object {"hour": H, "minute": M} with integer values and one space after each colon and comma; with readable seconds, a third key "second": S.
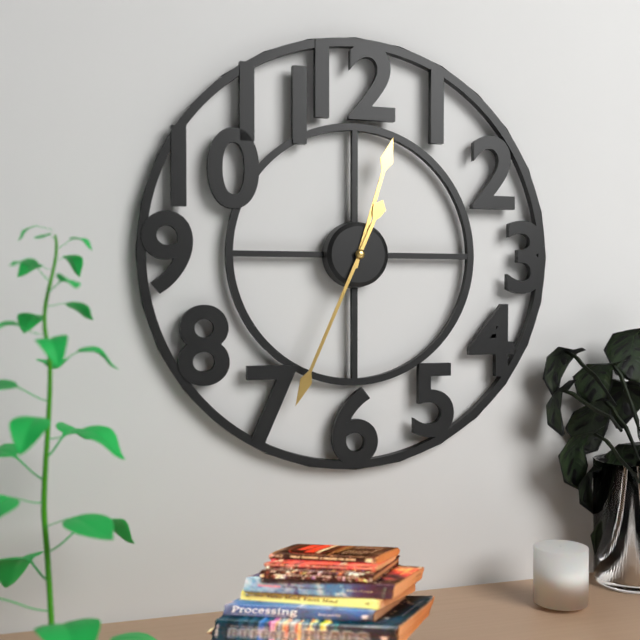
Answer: {"hour": 12, "minute": 34}
